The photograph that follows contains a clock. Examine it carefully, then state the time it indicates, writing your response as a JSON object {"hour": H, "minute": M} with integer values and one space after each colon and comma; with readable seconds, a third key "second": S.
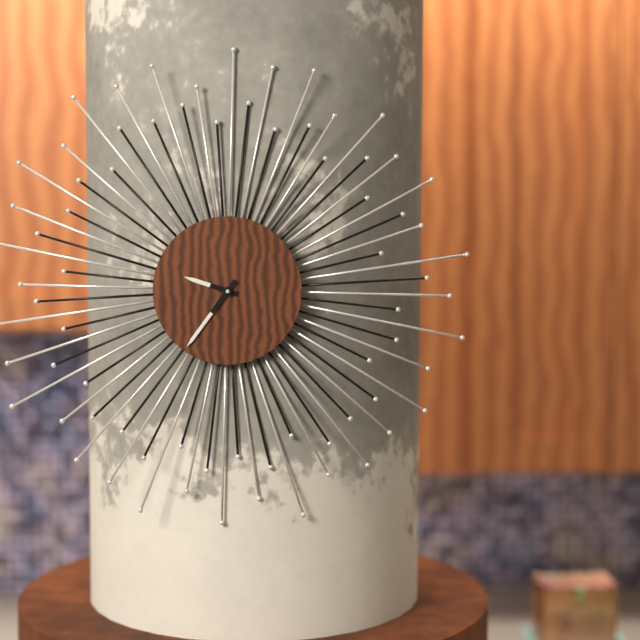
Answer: {"hour": 9, "minute": 36}
